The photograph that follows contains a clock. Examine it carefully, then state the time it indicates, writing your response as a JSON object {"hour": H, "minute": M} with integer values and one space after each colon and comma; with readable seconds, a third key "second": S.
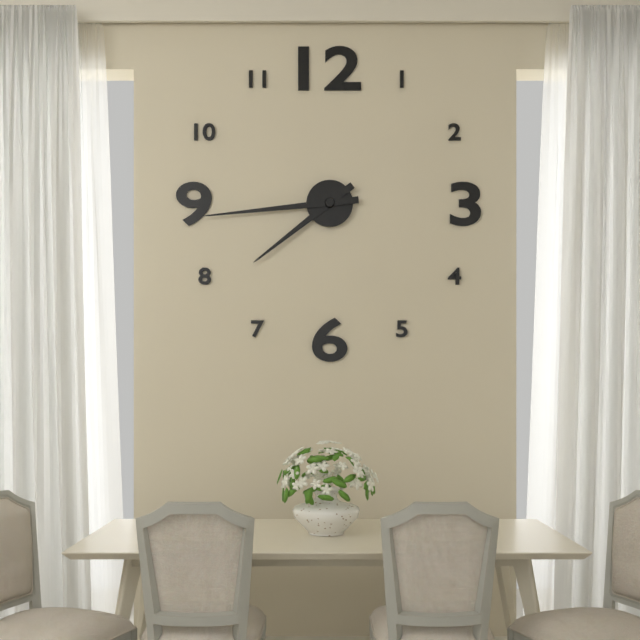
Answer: {"hour": 7, "minute": 44}
